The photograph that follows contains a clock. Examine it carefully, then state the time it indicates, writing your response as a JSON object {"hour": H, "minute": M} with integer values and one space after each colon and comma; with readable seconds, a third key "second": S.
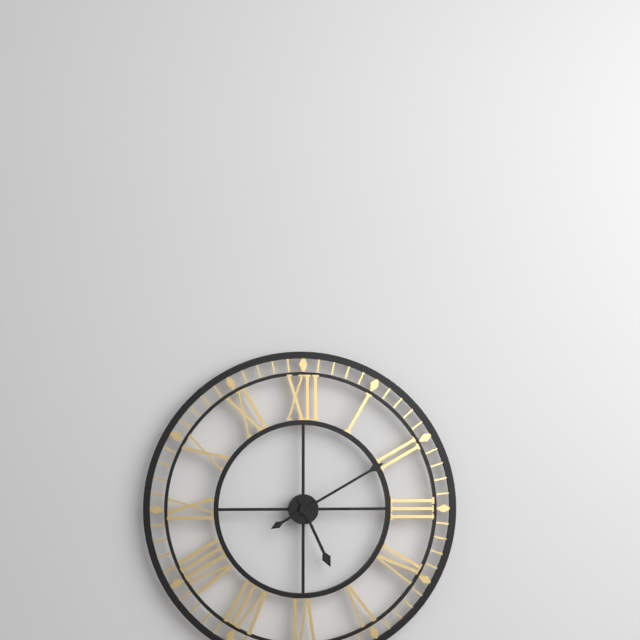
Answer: {"hour": 5, "minute": 10}
